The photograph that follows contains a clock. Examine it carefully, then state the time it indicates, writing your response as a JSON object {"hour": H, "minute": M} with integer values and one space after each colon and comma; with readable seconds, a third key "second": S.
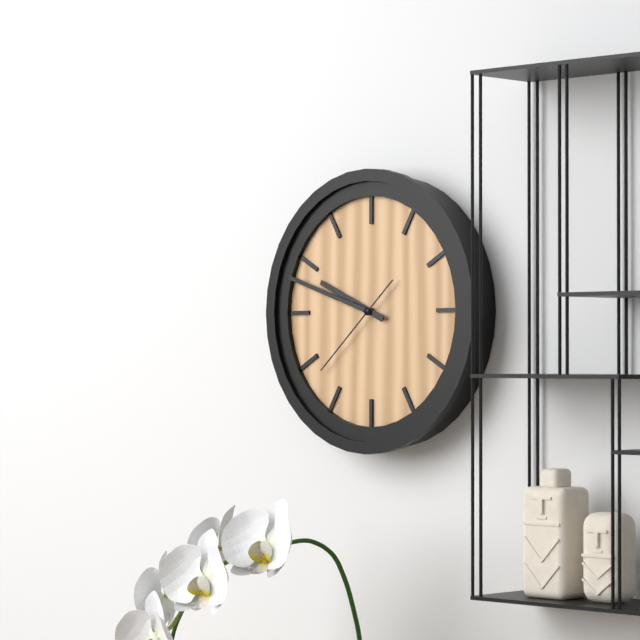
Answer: {"hour": 9, "minute": 48, "second": 38}
